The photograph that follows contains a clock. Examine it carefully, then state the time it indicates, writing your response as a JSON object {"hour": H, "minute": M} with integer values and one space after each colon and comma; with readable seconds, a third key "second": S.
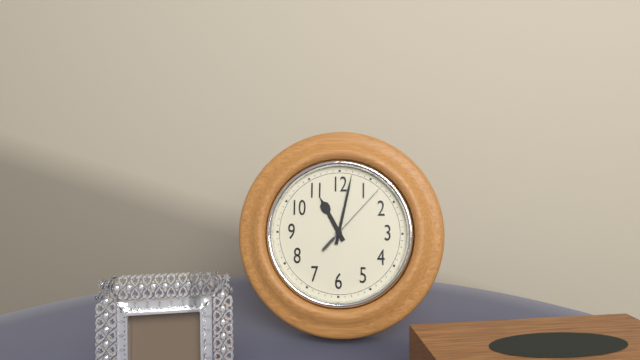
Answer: {"hour": 11, "minute": 2, "second": 7}
